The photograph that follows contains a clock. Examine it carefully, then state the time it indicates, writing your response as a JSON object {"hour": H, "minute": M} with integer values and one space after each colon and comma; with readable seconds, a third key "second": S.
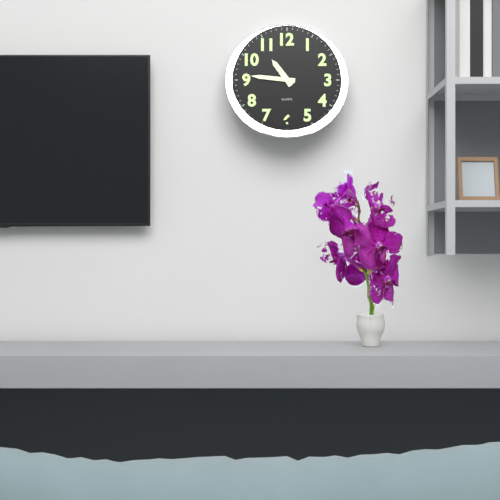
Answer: {"hour": 10, "minute": 46}
